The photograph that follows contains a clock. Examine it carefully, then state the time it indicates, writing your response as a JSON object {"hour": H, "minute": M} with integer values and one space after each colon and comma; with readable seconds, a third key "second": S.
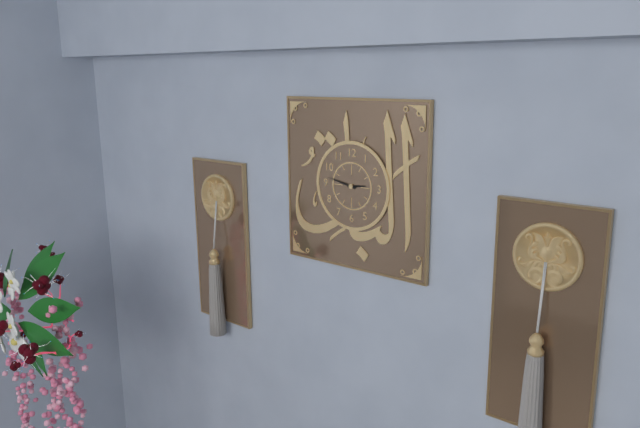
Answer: {"hour": 2, "minute": 47}
